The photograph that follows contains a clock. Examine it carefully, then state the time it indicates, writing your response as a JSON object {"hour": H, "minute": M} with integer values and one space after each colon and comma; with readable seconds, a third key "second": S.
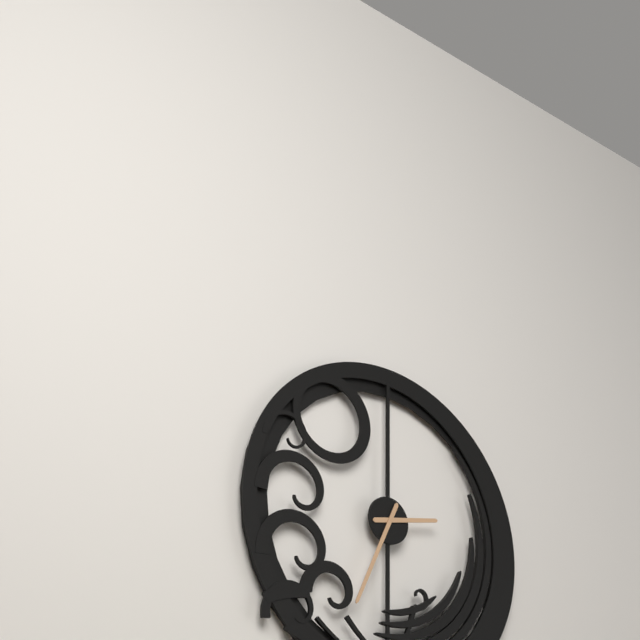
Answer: {"hour": 2, "minute": 34}
